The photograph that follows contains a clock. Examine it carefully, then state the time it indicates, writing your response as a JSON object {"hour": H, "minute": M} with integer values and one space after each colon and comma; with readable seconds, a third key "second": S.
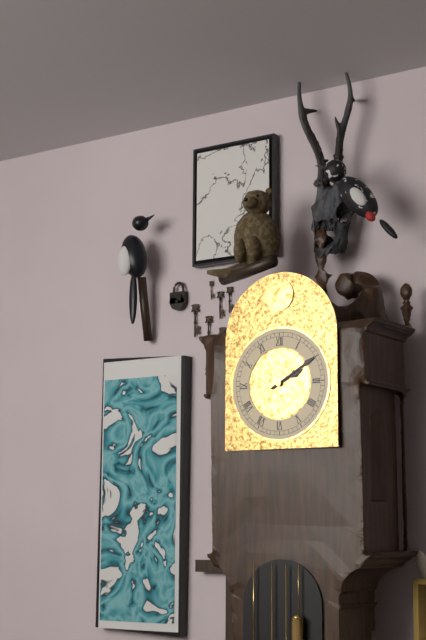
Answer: {"hour": 2, "minute": 10}
